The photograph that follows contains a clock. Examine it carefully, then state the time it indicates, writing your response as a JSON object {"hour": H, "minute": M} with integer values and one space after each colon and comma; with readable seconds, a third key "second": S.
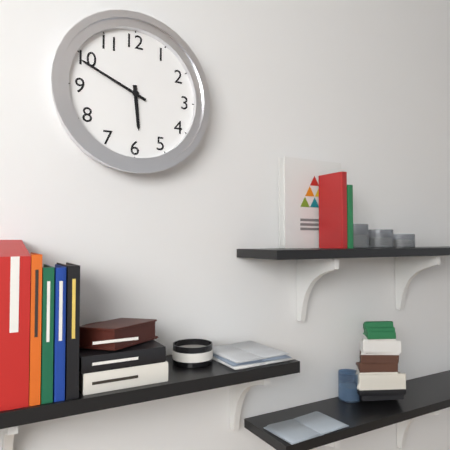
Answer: {"hour": 5, "minute": 49}
